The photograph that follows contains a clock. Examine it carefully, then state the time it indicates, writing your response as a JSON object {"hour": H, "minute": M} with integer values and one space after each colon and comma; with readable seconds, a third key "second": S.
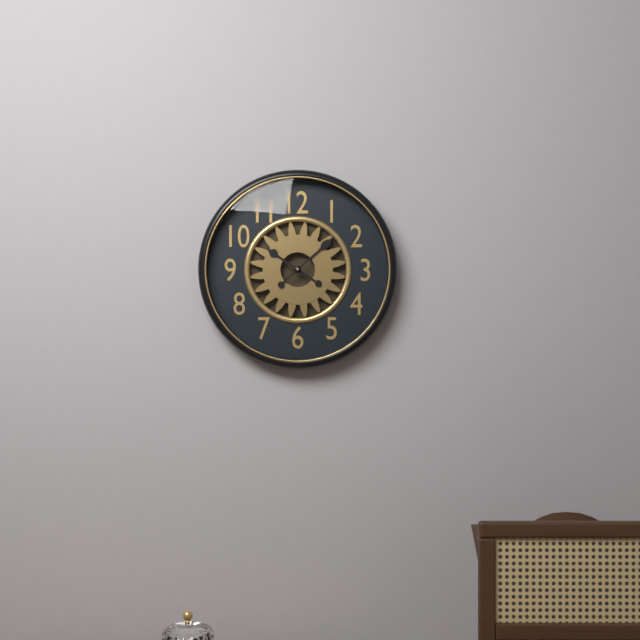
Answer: {"hour": 10, "minute": 8}
